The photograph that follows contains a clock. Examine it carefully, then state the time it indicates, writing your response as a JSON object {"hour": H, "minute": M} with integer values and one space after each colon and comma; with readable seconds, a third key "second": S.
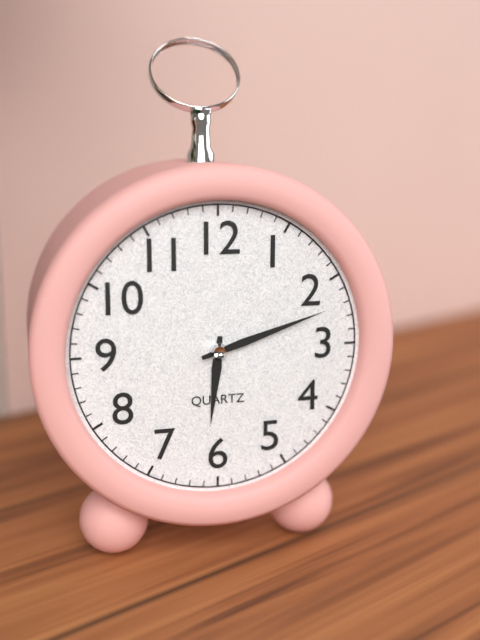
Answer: {"hour": 6, "minute": 12}
